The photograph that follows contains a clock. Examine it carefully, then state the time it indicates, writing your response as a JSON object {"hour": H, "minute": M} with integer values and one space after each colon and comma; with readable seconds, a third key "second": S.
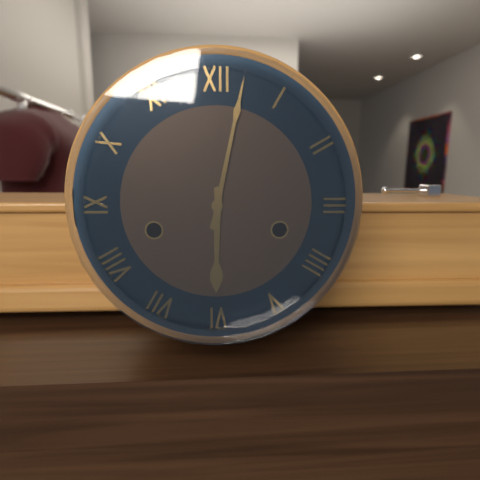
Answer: {"hour": 6, "minute": 2}
